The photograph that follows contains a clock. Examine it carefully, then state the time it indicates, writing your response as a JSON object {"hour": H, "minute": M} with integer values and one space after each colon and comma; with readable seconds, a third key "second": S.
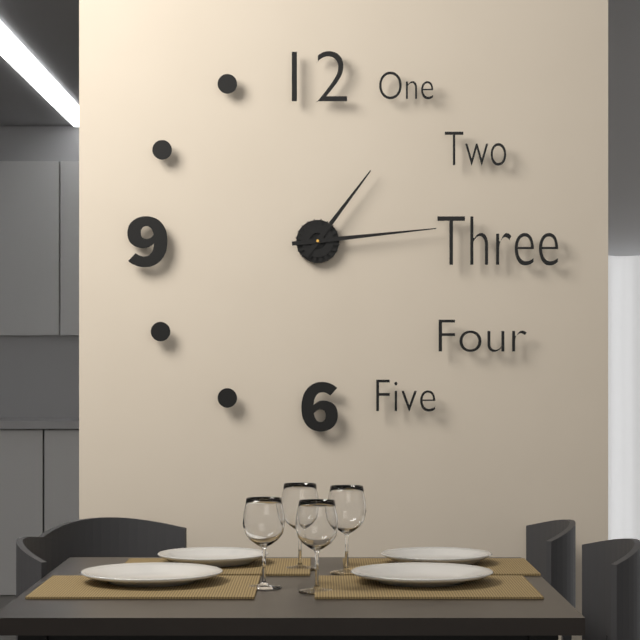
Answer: {"hour": 1, "minute": 14}
